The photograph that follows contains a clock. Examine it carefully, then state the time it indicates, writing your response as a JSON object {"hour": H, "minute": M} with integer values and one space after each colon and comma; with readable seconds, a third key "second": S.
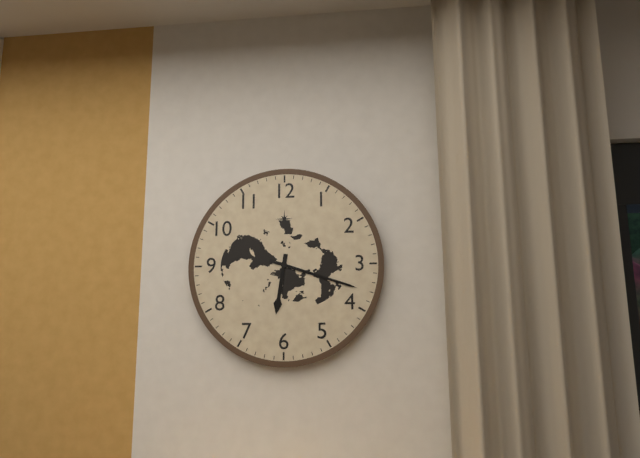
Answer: {"hour": 6, "minute": 18}
